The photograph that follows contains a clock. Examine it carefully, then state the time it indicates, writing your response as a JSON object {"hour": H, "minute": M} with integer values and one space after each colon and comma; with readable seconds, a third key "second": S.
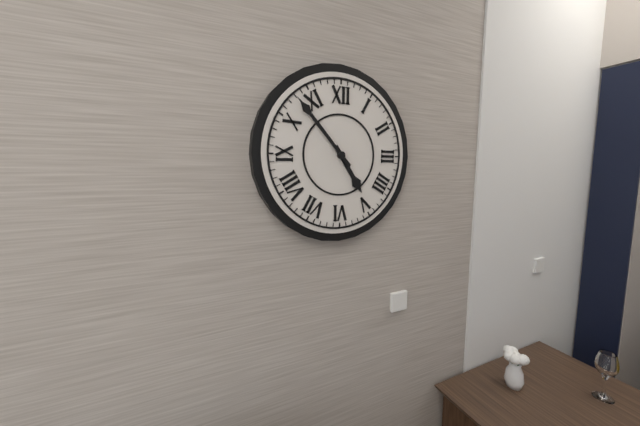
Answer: {"hour": 4, "minute": 53}
